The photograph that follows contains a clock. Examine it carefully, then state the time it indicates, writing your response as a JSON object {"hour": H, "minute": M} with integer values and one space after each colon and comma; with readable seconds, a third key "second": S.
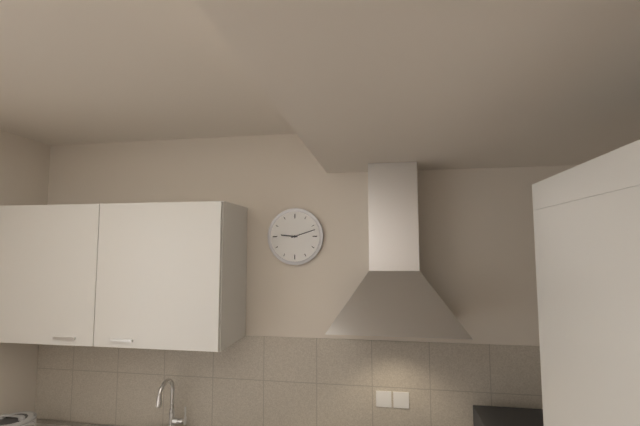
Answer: {"hour": 9, "minute": 12}
